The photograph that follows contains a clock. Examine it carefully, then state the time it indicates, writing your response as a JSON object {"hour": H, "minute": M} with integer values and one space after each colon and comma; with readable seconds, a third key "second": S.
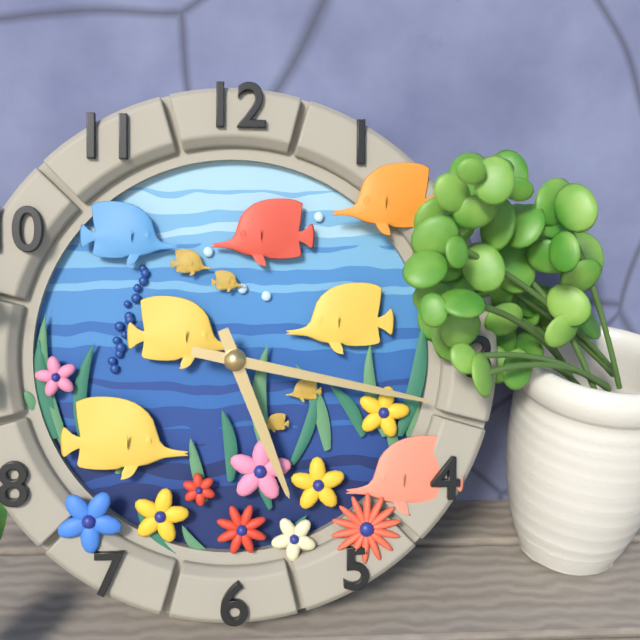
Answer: {"hour": 5, "minute": 17}
